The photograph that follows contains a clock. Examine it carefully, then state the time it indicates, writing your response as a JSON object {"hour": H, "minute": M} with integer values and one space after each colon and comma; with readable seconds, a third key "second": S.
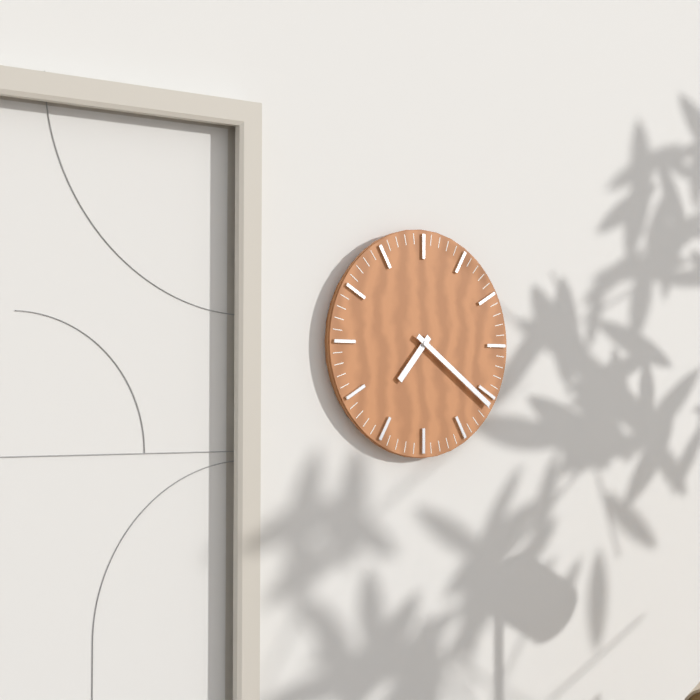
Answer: {"hour": 7, "minute": 21}
